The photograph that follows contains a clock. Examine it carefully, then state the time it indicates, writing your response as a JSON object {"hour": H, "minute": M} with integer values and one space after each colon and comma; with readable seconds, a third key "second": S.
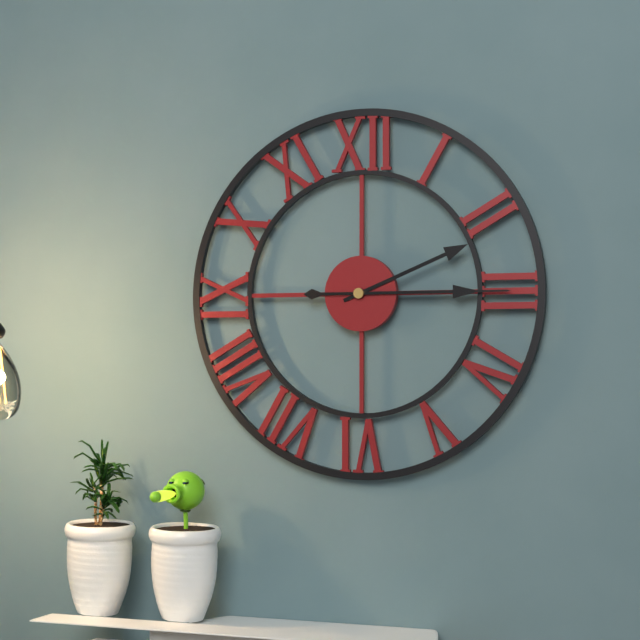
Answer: {"hour": 2, "minute": 15}
